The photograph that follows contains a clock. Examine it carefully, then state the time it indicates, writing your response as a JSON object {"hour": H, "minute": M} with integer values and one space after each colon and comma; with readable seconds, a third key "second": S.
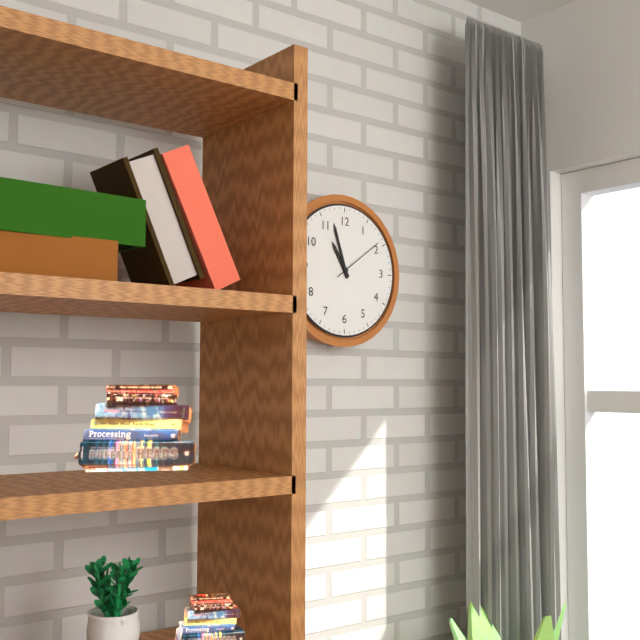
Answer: {"hour": 10, "minute": 57, "second": 9}
